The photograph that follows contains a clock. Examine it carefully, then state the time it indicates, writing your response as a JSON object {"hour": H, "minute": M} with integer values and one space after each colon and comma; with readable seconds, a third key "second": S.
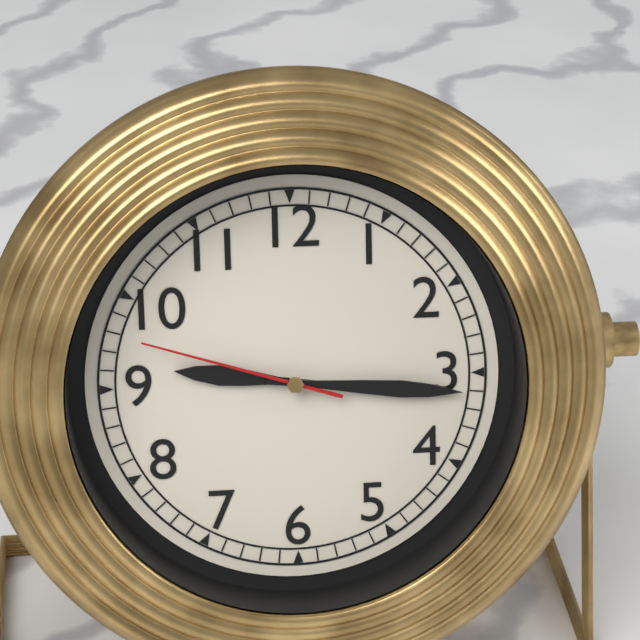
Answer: {"hour": 9, "minute": 16, "second": 48}
